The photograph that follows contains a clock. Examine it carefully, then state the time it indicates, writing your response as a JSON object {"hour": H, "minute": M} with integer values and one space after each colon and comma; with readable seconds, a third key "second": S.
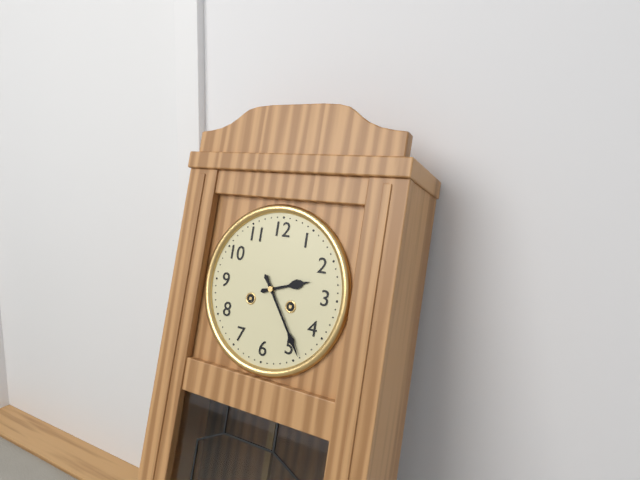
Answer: {"hour": 2, "minute": 24}
